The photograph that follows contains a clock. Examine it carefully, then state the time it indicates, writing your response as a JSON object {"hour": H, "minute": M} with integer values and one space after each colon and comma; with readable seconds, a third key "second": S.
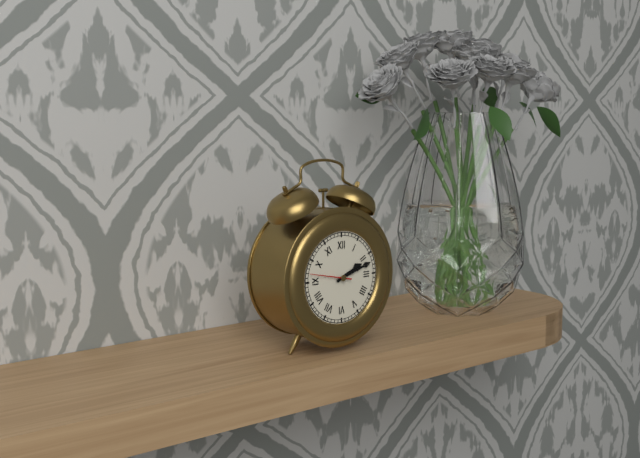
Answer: {"hour": 2, "minute": 12}
